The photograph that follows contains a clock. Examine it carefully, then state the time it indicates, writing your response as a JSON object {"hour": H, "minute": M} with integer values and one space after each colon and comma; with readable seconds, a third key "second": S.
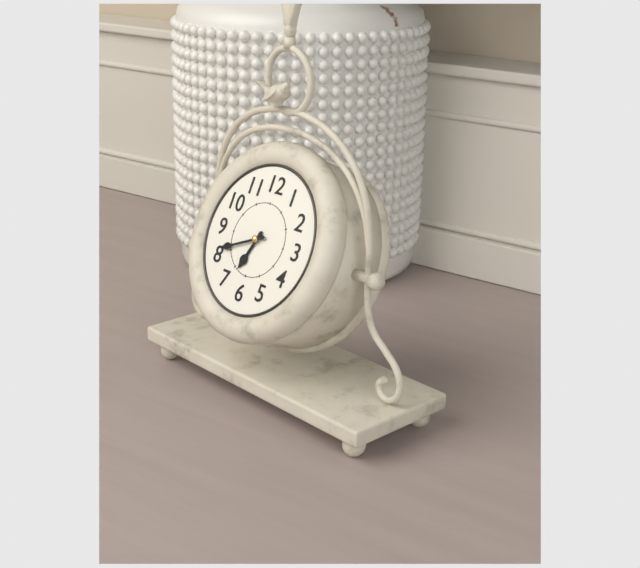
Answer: {"hour": 6, "minute": 41}
